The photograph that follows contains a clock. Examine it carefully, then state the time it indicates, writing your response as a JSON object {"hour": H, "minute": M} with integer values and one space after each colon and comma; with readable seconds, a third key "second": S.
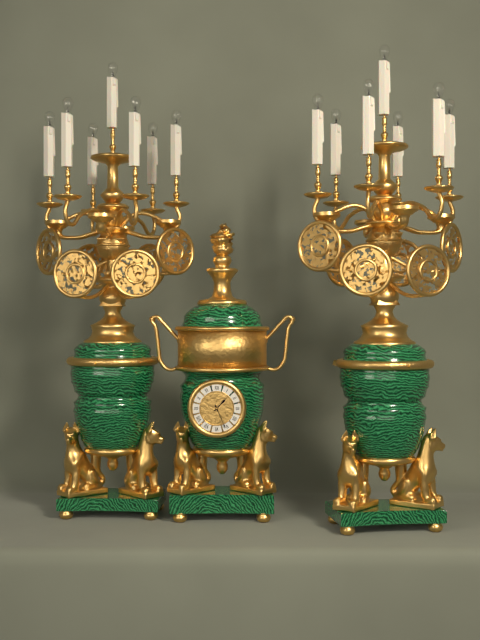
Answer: {"hour": 1, "minute": 26}
